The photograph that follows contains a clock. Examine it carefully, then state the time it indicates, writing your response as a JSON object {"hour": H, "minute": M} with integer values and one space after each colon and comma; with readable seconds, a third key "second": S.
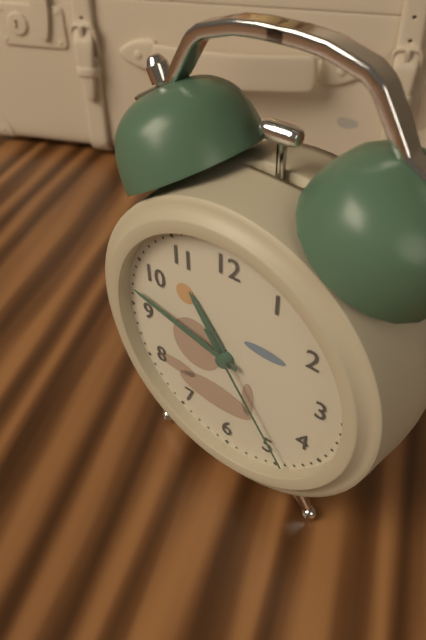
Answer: {"hour": 10, "minute": 47, "second": 24}
